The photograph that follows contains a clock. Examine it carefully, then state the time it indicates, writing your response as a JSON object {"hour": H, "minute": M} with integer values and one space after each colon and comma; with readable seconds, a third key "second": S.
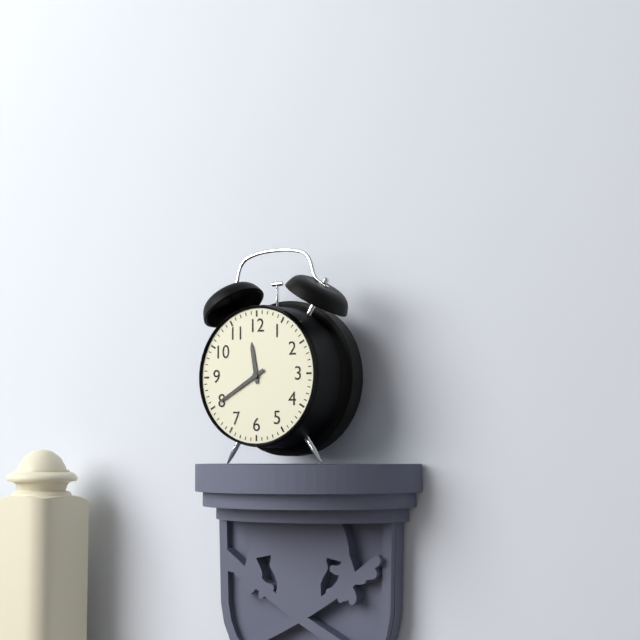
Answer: {"hour": 11, "minute": 40}
